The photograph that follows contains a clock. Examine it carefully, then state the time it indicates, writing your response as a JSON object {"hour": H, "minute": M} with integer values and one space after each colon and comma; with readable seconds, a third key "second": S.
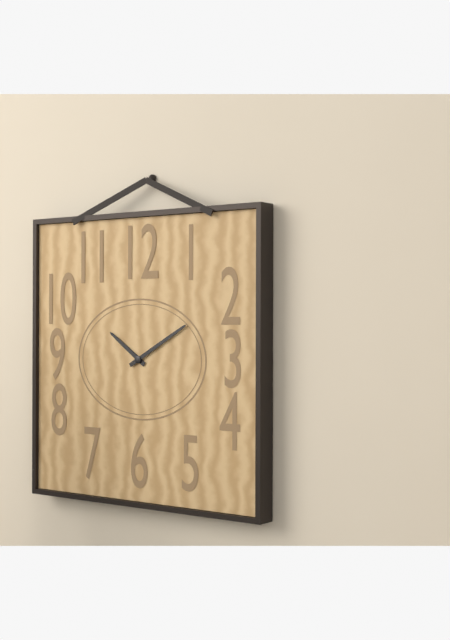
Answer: {"hour": 10, "minute": 10}
